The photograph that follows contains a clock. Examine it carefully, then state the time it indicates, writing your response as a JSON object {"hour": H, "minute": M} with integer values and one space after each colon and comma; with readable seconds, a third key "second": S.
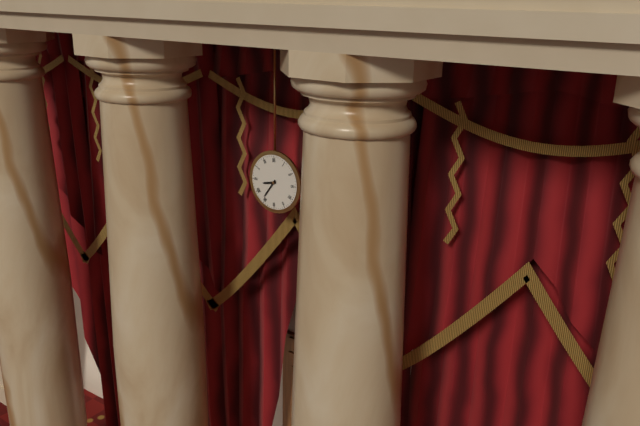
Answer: {"hour": 8, "minute": 36}
